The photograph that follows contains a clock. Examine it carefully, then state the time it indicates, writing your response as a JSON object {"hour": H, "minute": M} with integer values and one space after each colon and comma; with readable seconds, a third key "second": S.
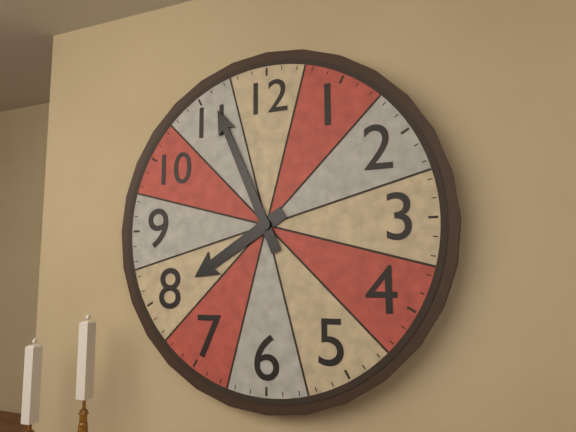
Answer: {"hour": 7, "minute": 56}
